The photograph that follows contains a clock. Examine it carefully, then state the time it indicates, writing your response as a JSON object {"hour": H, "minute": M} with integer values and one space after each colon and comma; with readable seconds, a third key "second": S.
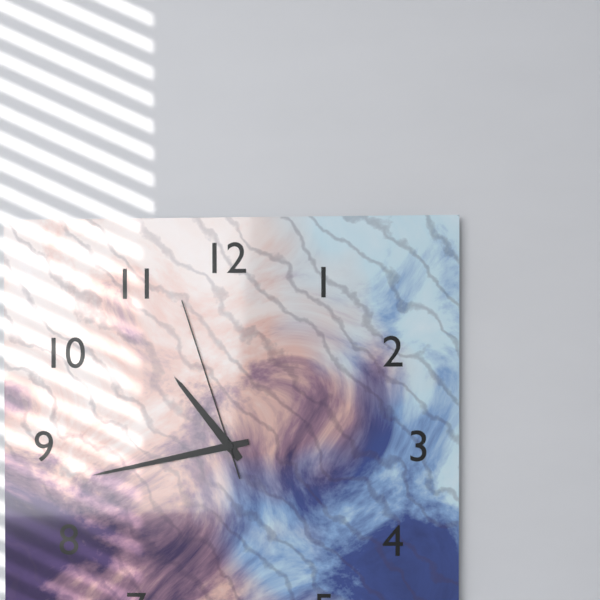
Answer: {"hour": 10, "minute": 43, "second": 57}
